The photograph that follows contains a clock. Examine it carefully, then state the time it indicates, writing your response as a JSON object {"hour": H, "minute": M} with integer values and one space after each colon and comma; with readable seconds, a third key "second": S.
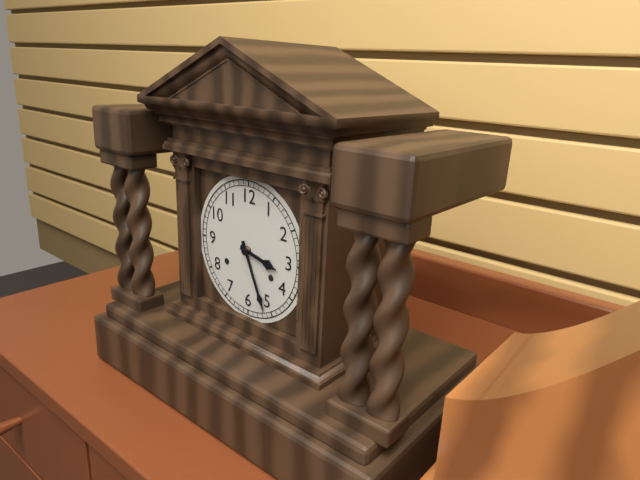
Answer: {"hour": 3, "minute": 26}
